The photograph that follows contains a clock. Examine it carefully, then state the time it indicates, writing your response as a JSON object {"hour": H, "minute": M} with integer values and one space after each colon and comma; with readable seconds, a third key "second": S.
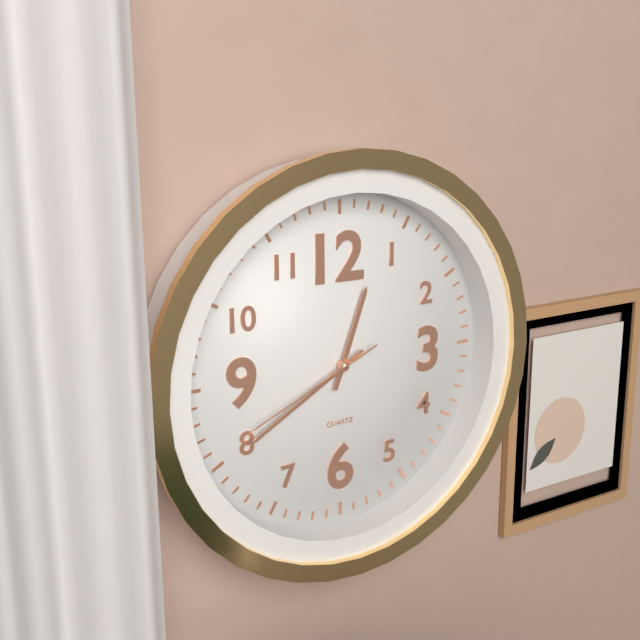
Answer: {"hour": 12, "minute": 40, "second": 41}
